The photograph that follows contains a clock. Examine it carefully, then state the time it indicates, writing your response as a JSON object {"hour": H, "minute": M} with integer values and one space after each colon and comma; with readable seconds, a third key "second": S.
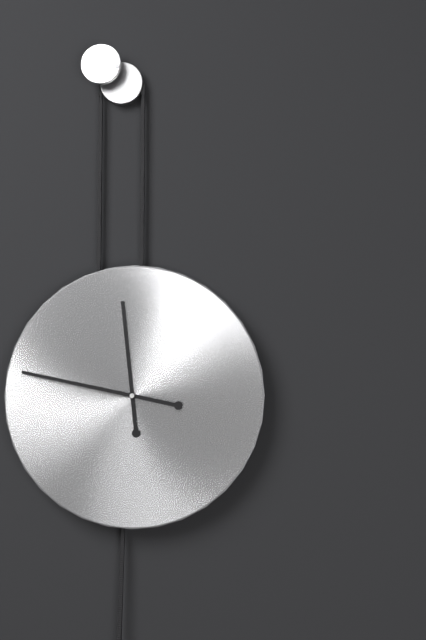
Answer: {"hour": 11, "minute": 47}
